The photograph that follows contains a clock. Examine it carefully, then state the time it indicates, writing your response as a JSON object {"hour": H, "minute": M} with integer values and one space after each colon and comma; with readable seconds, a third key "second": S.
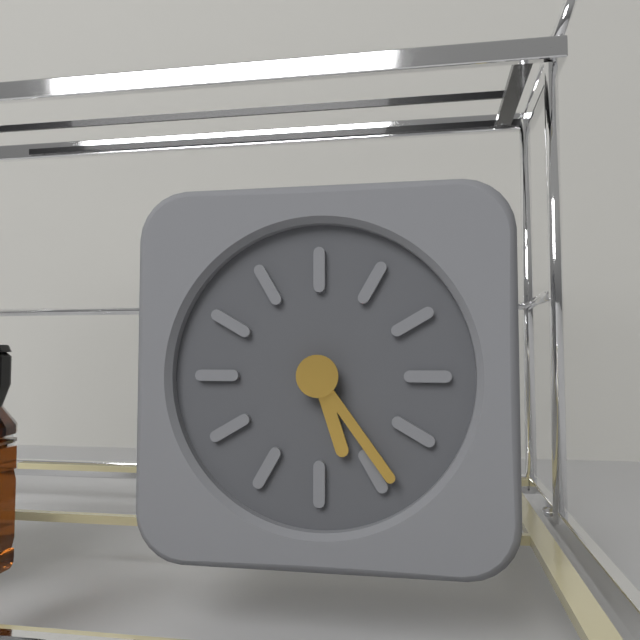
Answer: {"hour": 5, "minute": 24}
